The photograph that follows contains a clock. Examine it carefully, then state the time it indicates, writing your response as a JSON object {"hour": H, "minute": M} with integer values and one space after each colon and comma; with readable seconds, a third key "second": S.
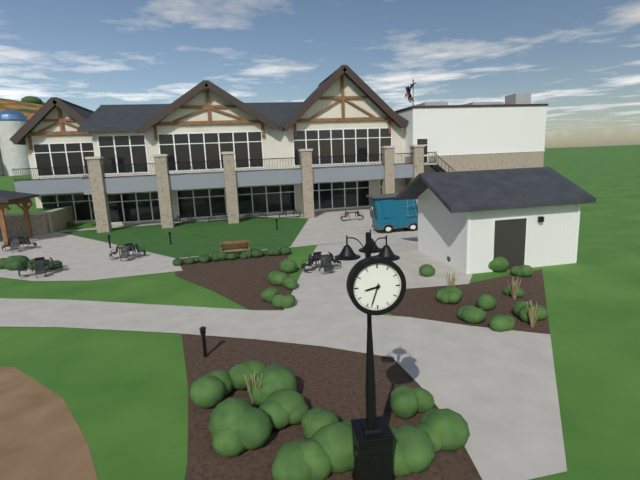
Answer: {"hour": 8, "minute": 33}
